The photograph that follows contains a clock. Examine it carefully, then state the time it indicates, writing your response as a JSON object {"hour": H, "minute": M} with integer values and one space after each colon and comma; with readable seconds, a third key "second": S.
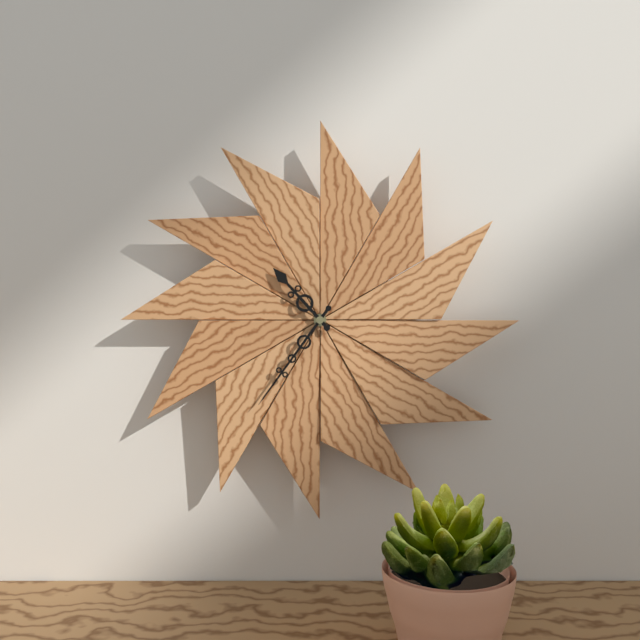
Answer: {"hour": 10, "minute": 36}
